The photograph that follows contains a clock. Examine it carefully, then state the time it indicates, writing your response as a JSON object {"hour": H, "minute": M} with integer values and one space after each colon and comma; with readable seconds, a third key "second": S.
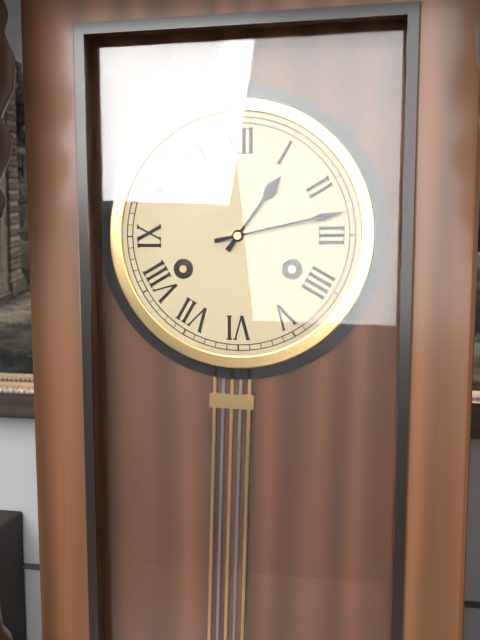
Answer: {"hour": 1, "minute": 13}
